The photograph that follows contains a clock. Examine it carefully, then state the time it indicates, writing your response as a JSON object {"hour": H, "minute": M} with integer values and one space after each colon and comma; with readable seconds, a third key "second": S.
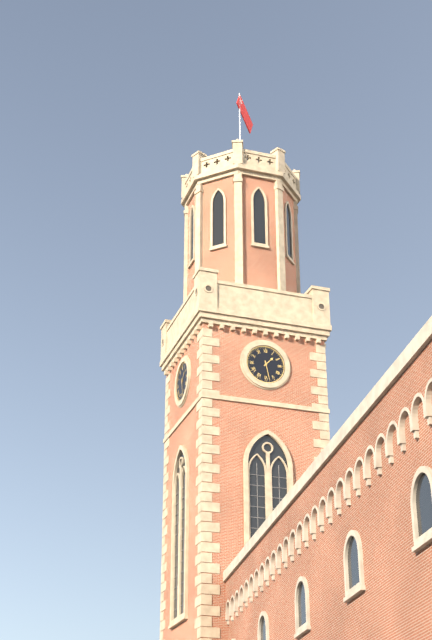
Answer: {"hour": 1, "minute": 28}
